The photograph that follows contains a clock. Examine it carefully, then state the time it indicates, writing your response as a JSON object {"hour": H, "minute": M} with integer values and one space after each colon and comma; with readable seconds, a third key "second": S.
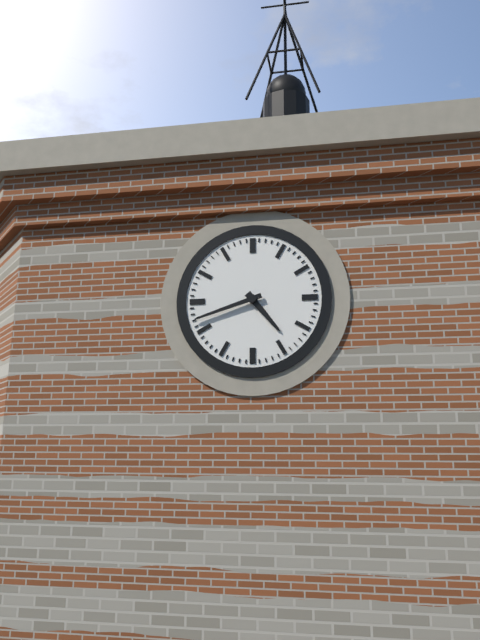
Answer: {"hour": 4, "minute": 42}
